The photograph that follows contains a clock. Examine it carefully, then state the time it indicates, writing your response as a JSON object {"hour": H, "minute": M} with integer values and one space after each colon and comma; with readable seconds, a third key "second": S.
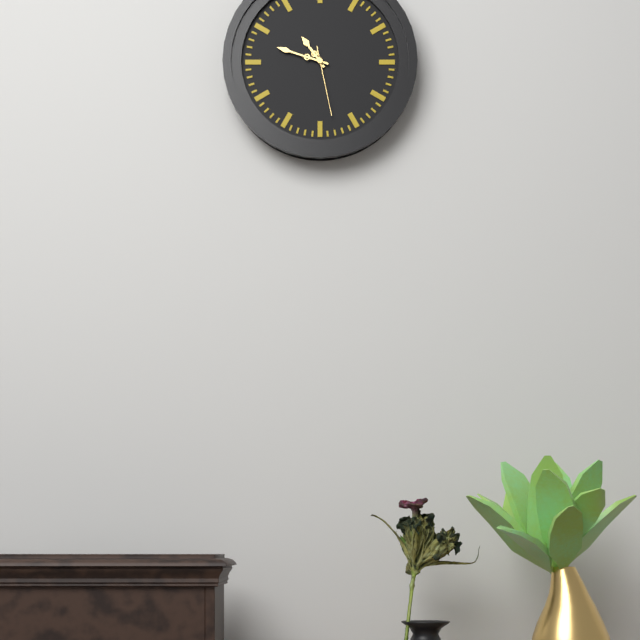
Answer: {"hour": 10, "minute": 48, "second": 28}
